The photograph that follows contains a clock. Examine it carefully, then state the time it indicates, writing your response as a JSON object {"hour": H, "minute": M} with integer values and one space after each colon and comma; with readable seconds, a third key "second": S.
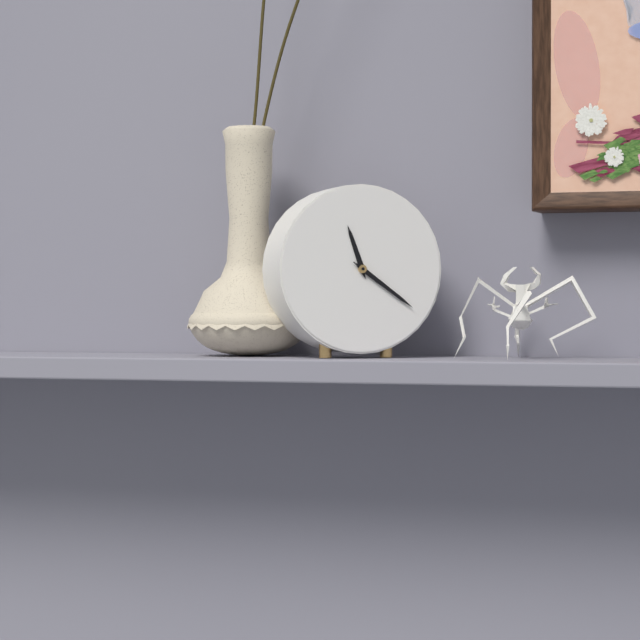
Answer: {"hour": 11, "minute": 21}
